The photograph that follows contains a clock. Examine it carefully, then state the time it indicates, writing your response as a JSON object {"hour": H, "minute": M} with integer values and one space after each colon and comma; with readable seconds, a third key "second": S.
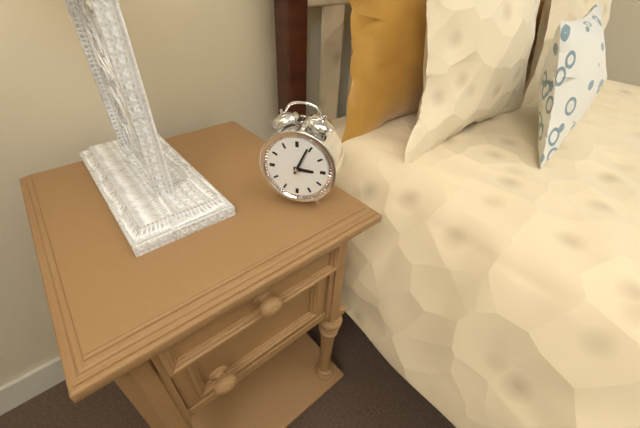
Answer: {"hour": 3, "minute": 4}
